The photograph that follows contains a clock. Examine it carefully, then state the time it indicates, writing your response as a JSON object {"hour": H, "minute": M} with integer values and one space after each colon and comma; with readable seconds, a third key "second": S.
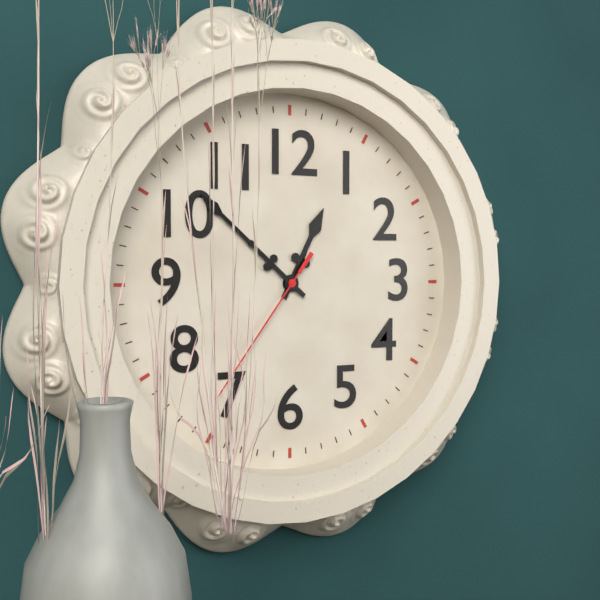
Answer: {"hour": 12, "minute": 52}
